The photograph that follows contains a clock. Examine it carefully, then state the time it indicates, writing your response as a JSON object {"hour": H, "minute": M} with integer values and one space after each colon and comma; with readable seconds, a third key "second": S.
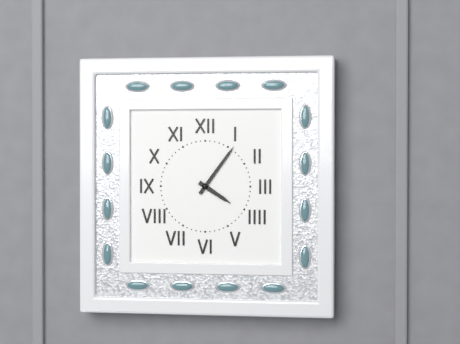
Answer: {"hour": 4, "minute": 6}
